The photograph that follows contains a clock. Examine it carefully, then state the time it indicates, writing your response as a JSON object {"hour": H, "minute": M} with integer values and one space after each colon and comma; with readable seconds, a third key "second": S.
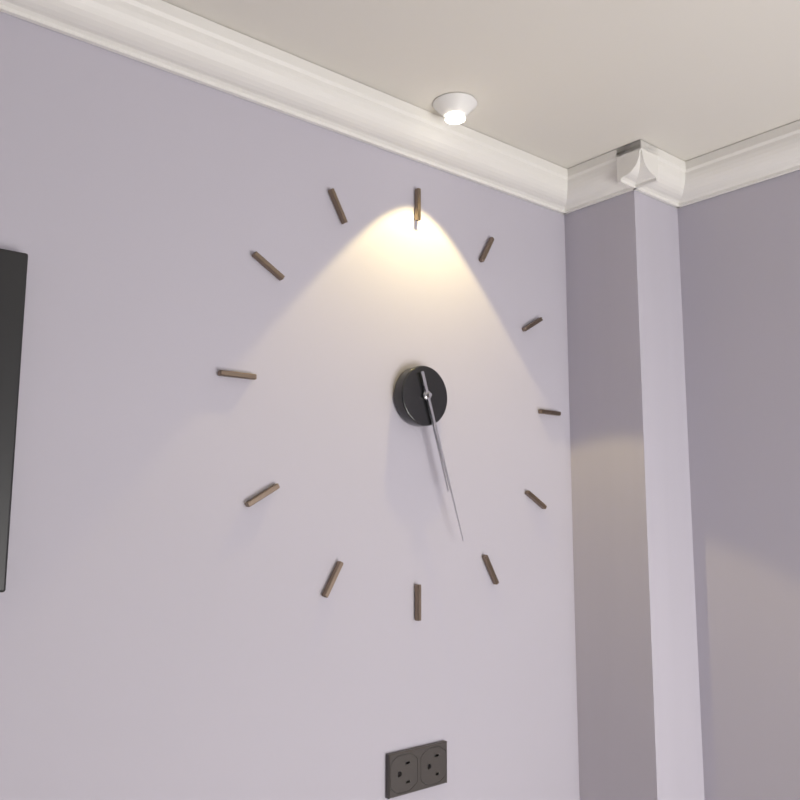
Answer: {"hour": 5, "minute": 27}
